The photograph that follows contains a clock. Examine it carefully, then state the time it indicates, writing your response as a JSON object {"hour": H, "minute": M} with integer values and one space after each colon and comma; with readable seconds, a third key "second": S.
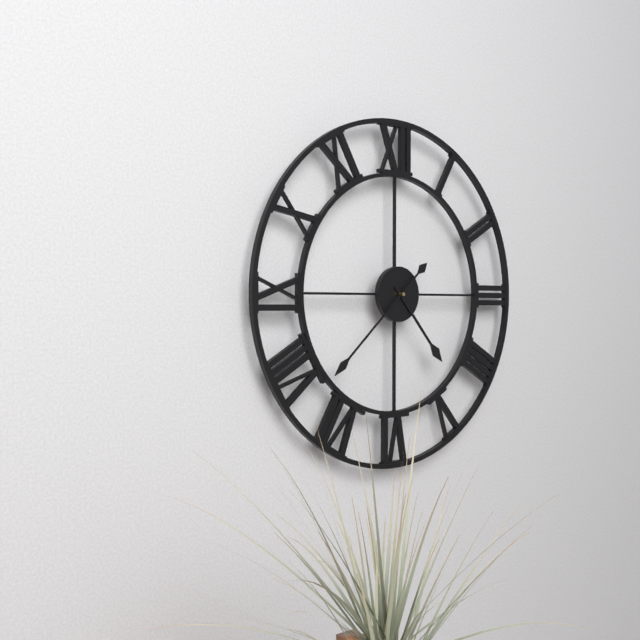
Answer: {"hour": 4, "minute": 38}
